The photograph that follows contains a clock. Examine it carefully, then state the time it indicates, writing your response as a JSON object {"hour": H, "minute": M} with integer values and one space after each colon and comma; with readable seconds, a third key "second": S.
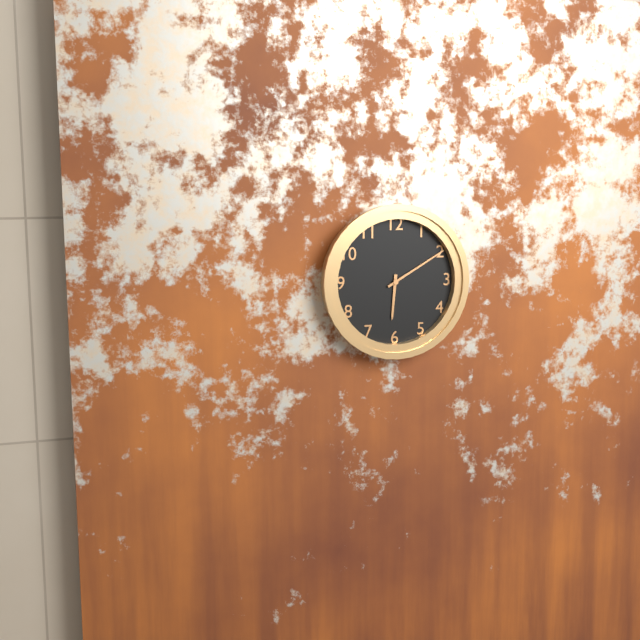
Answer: {"hour": 6, "minute": 10}
